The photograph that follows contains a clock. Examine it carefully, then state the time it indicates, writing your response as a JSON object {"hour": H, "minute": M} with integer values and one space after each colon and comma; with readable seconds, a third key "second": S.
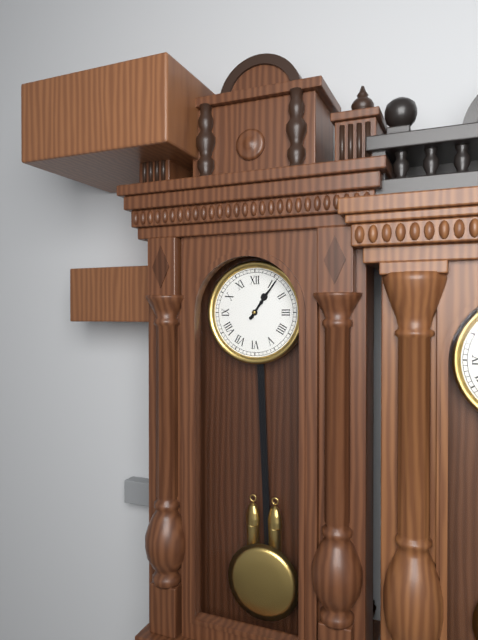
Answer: {"hour": 1, "minute": 6}
